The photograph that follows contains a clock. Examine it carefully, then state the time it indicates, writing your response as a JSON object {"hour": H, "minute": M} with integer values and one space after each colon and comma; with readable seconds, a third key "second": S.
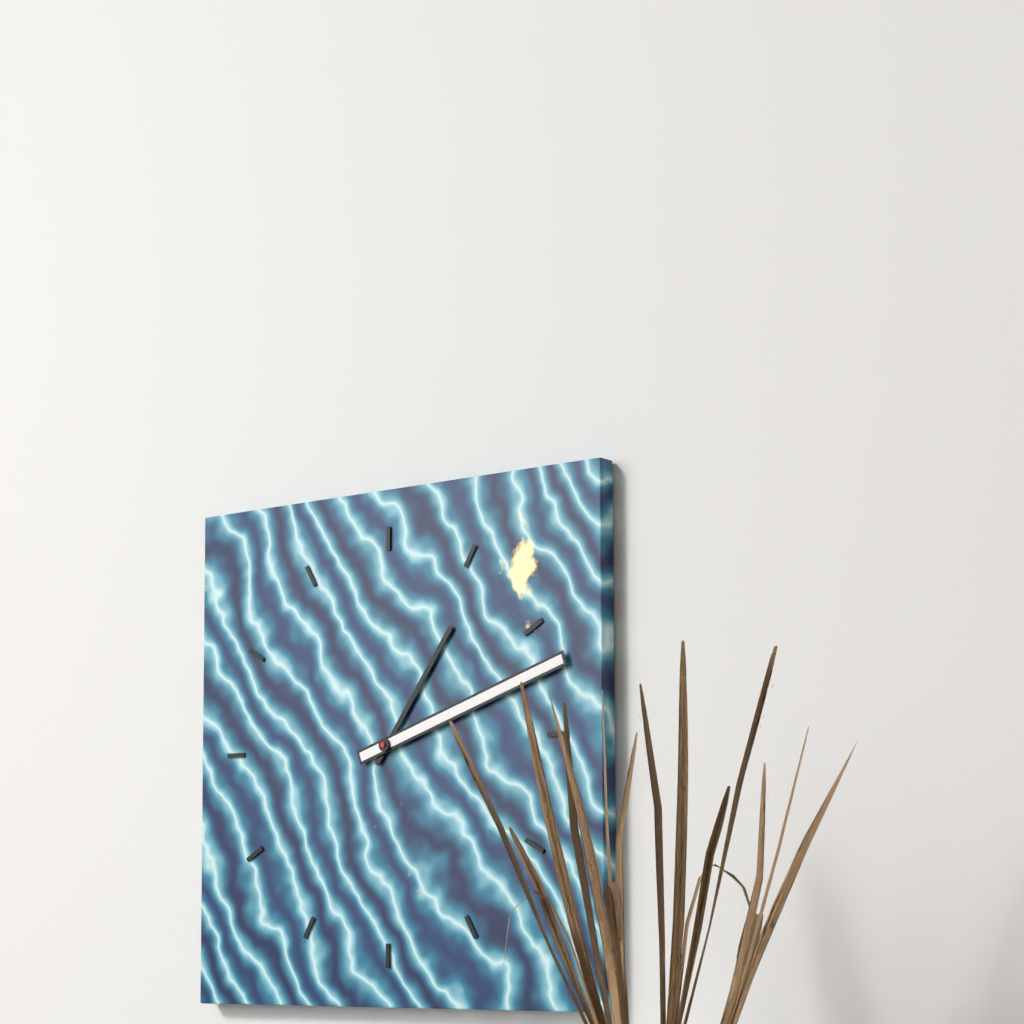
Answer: {"hour": 1, "minute": 12}
